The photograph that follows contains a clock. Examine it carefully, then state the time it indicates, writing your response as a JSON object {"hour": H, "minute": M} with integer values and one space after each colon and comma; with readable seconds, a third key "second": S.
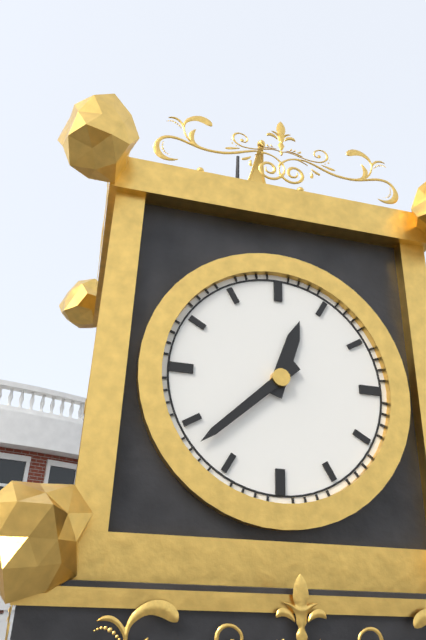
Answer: {"hour": 12, "minute": 38}
